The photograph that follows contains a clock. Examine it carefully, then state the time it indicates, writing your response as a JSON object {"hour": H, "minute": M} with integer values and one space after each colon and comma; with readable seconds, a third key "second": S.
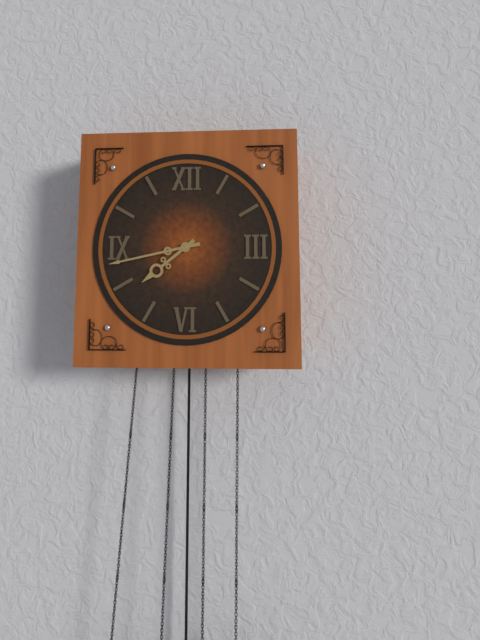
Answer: {"hour": 7, "minute": 43}
